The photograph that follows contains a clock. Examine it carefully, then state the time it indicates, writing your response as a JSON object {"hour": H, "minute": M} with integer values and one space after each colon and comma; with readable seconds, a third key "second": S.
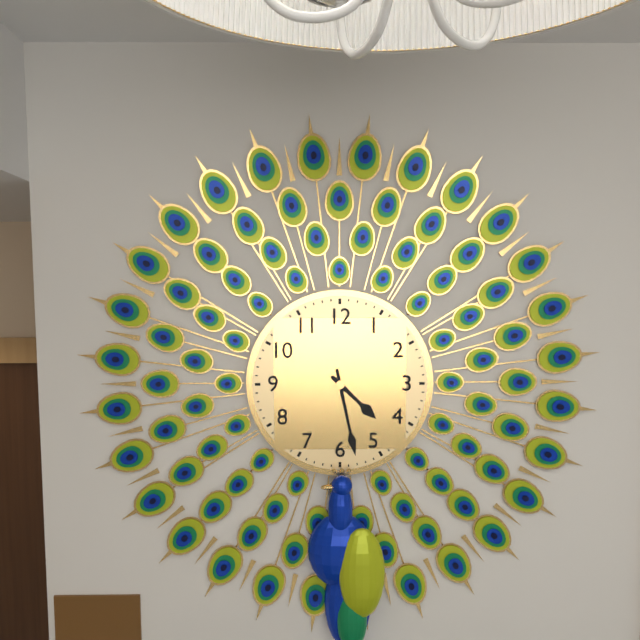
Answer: {"hour": 4, "minute": 28}
